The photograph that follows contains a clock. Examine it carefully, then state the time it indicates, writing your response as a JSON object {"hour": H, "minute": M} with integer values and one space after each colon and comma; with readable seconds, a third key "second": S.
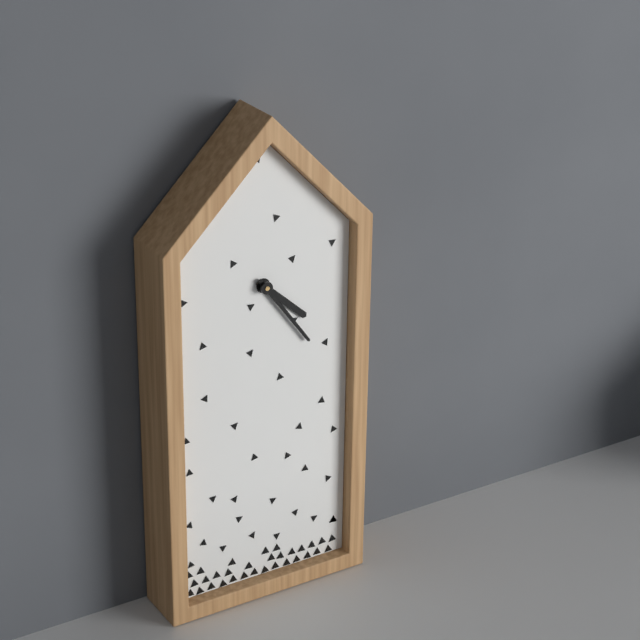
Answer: {"hour": 4, "minute": 24}
